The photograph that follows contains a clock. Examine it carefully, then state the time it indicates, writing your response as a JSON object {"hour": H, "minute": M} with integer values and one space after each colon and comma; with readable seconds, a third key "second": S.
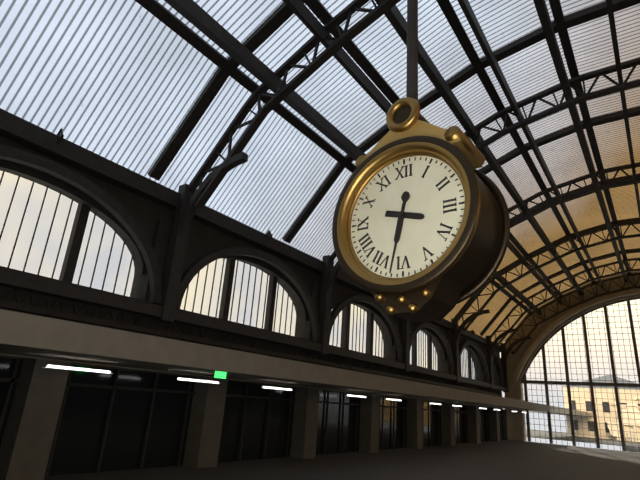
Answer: {"hour": 3, "minute": 32}
